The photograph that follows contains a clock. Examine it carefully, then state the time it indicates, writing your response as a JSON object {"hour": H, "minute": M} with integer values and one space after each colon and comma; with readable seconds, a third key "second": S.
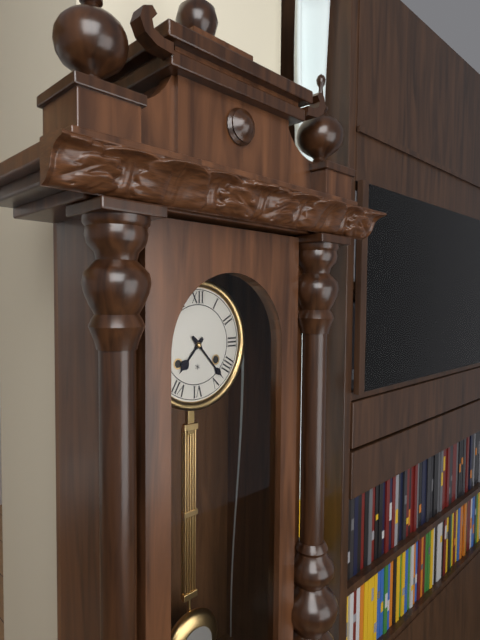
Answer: {"hour": 7, "minute": 23}
